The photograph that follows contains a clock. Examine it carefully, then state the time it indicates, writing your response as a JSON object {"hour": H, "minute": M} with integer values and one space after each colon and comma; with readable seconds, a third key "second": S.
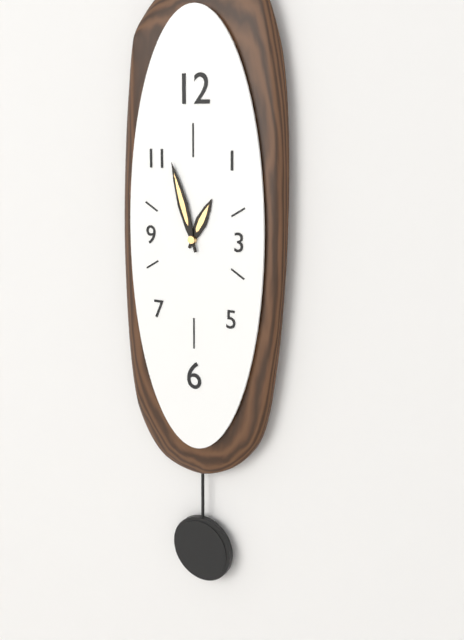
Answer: {"hour": 12, "minute": 57}
